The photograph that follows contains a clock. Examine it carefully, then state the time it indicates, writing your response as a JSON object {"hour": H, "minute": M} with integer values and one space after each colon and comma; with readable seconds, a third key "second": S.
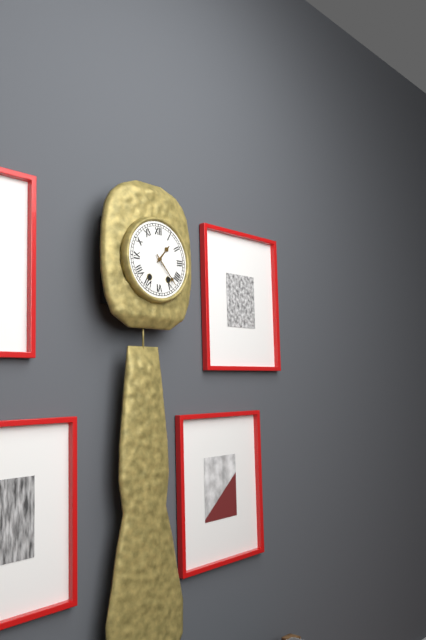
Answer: {"hour": 1, "minute": 23}
